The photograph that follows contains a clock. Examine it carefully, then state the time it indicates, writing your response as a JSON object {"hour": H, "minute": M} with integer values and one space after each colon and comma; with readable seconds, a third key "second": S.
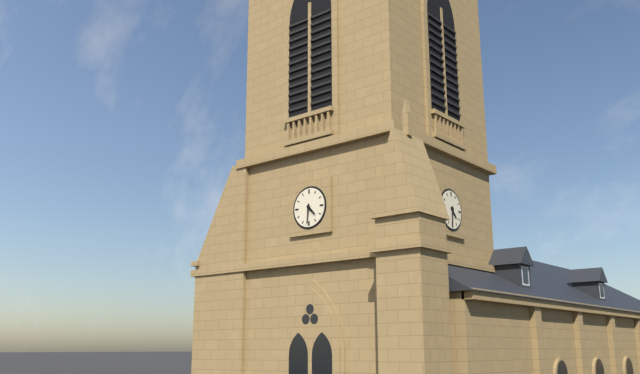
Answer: {"hour": 4, "minute": 31}
